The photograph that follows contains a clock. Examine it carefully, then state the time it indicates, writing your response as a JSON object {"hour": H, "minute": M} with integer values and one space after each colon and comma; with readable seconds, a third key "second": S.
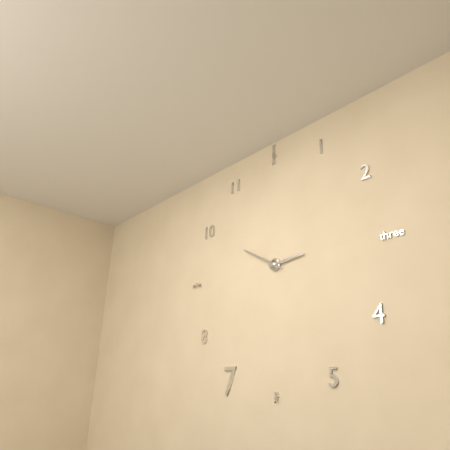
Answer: {"hour": 2, "minute": 50}
